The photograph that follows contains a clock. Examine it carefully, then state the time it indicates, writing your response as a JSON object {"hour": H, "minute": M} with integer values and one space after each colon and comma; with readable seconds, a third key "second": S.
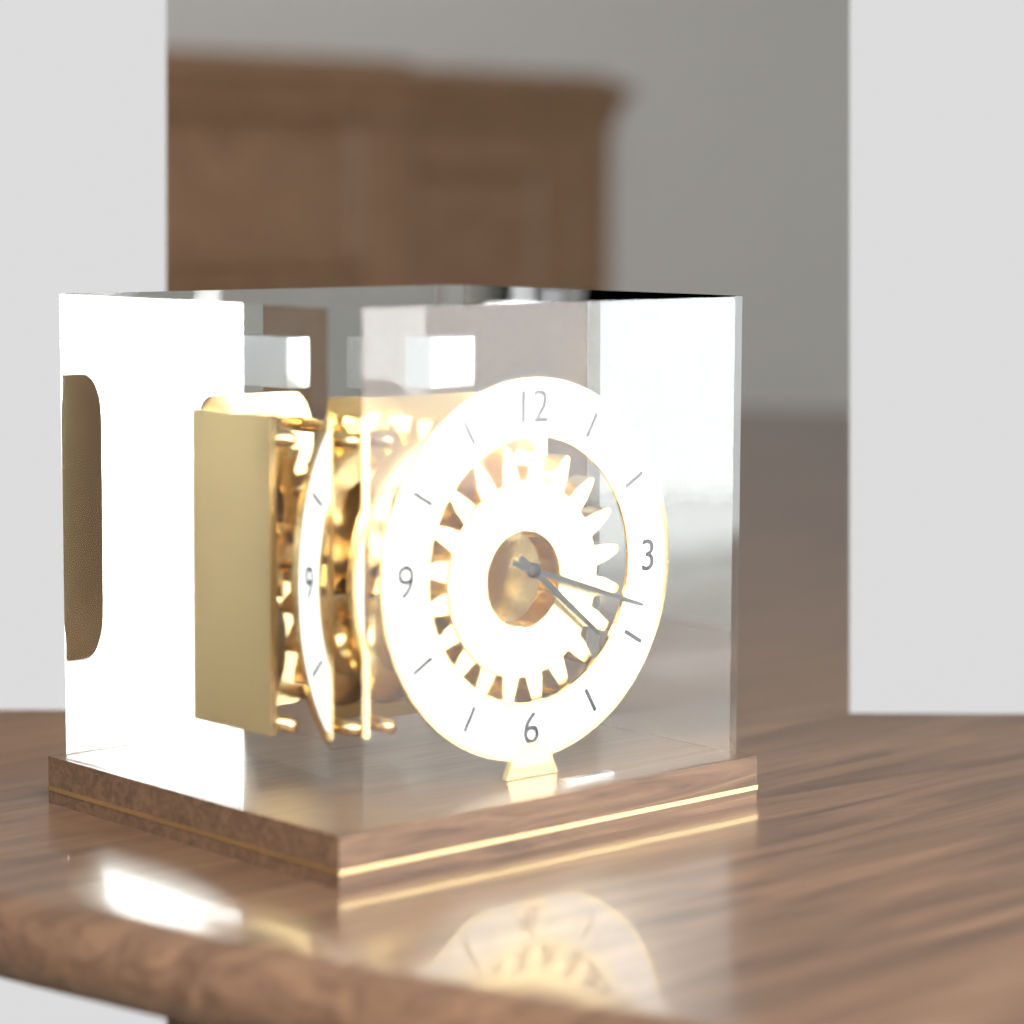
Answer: {"hour": 4, "minute": 18}
